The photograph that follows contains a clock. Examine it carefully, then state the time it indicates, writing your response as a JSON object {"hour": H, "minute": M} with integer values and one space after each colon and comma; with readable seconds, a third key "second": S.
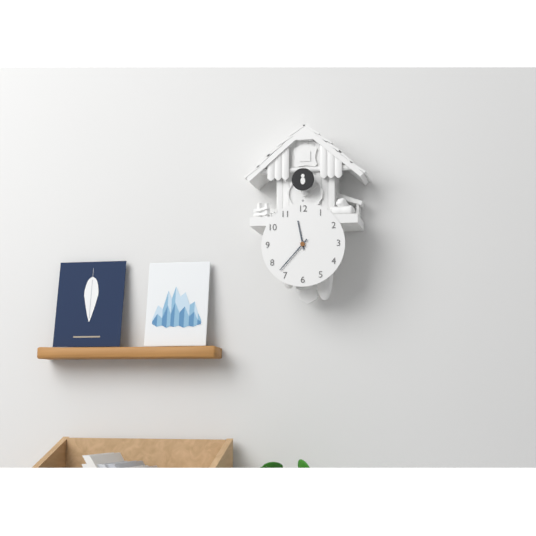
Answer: {"hour": 11, "minute": 37}
